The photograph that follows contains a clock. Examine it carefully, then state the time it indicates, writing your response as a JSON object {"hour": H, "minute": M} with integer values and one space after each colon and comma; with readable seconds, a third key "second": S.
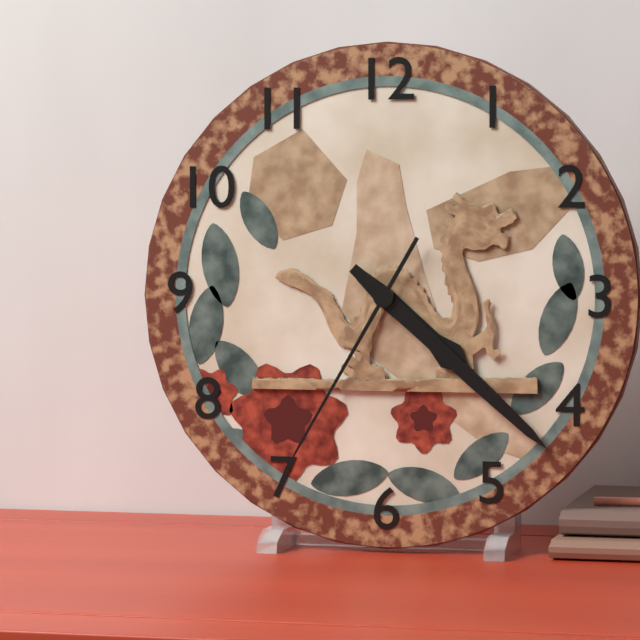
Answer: {"hour": 4, "minute": 22, "second": 35}
